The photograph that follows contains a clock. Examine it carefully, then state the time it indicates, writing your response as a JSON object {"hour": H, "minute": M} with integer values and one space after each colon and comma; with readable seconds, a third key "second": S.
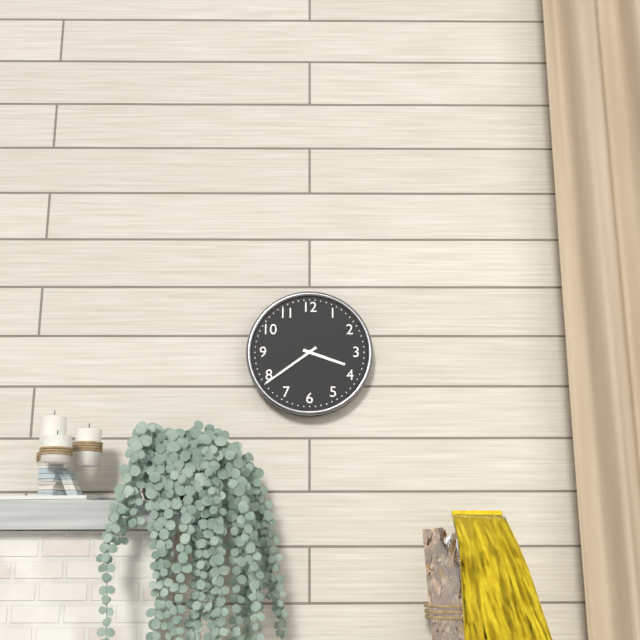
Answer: {"hour": 3, "minute": 39}
